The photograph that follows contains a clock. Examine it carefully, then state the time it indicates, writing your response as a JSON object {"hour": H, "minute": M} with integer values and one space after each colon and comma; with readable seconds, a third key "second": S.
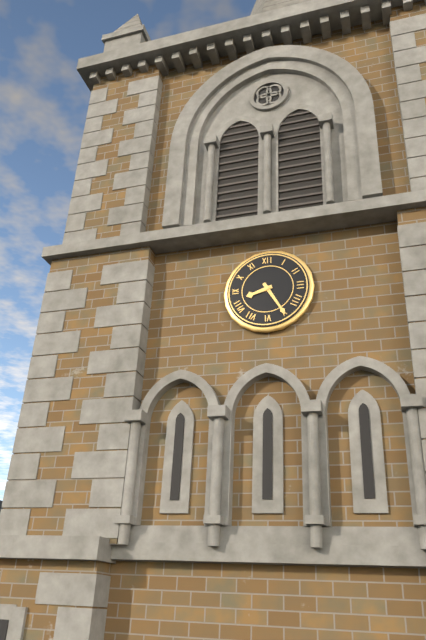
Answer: {"hour": 8, "minute": 25}
